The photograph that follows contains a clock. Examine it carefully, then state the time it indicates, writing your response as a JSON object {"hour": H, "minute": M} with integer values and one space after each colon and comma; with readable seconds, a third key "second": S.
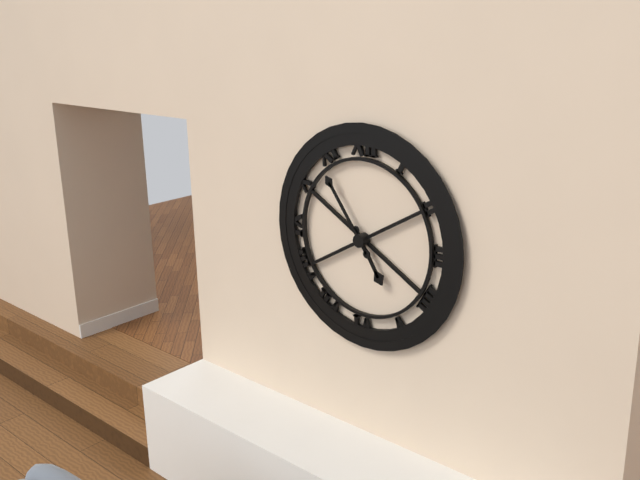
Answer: {"hour": 4, "minute": 54}
